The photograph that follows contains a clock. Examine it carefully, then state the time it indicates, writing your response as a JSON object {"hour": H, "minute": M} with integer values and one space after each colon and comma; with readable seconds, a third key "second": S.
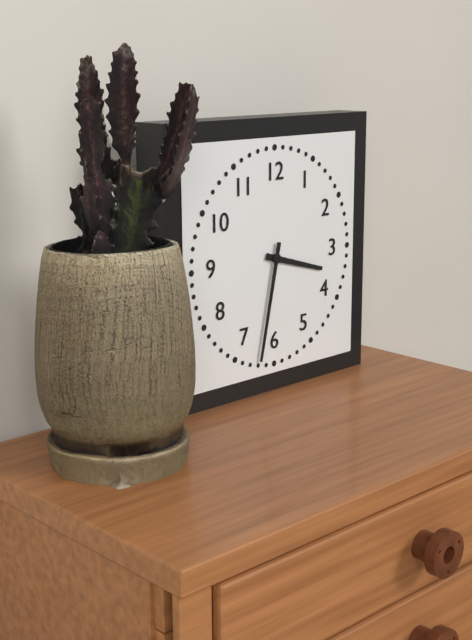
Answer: {"hour": 3, "minute": 32}
